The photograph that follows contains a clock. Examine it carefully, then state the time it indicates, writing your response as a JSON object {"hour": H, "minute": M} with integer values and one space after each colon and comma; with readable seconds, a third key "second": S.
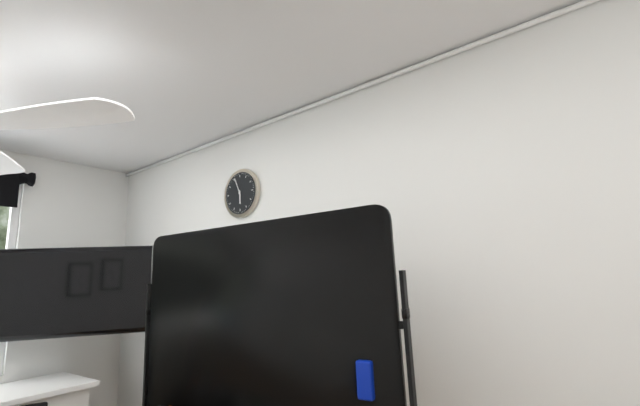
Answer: {"hour": 5, "minute": 56}
